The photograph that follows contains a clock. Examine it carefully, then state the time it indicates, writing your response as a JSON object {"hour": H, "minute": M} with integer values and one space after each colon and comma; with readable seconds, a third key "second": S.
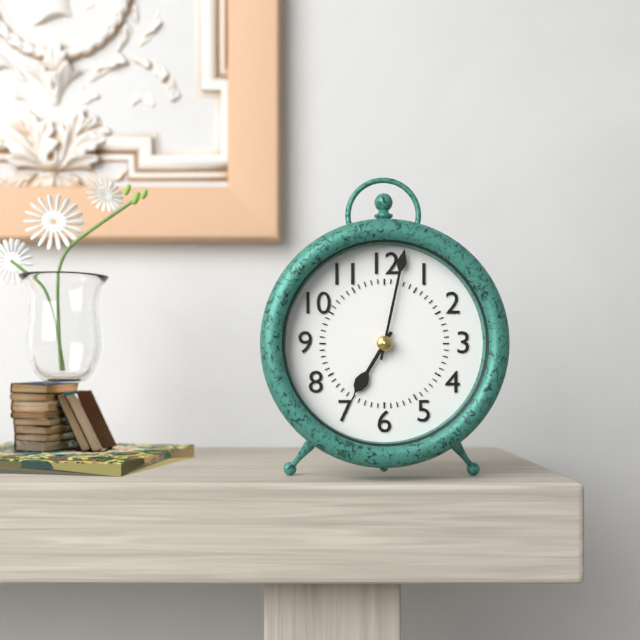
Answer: {"hour": 7, "minute": 2}
